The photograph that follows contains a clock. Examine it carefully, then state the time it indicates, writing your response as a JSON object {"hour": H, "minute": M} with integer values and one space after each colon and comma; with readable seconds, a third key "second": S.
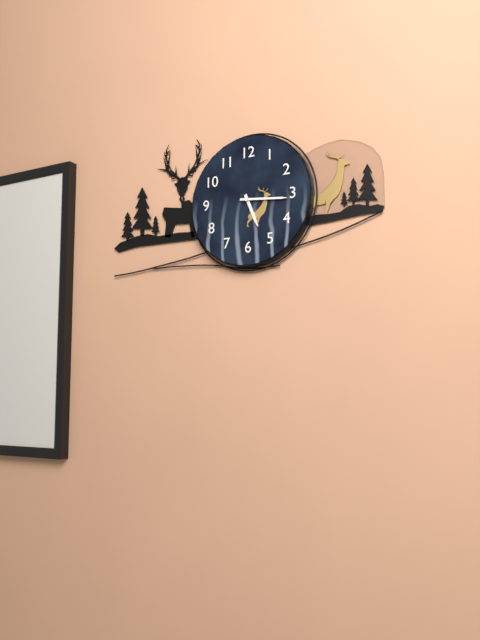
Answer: {"hour": 5, "minute": 16}
